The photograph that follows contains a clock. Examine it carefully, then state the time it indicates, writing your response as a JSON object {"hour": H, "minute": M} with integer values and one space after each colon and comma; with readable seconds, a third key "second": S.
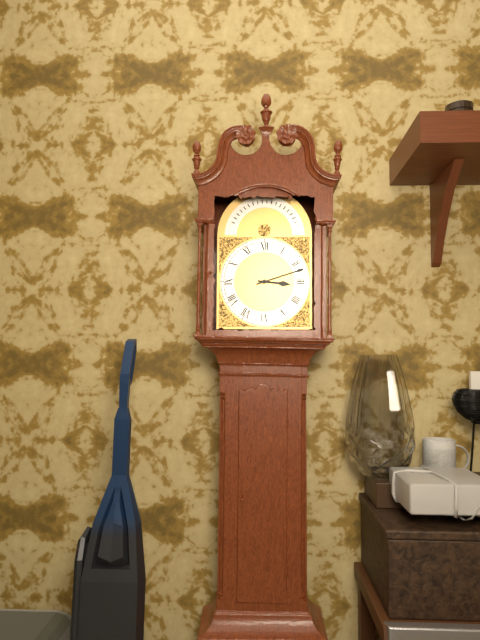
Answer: {"hour": 3, "minute": 12}
